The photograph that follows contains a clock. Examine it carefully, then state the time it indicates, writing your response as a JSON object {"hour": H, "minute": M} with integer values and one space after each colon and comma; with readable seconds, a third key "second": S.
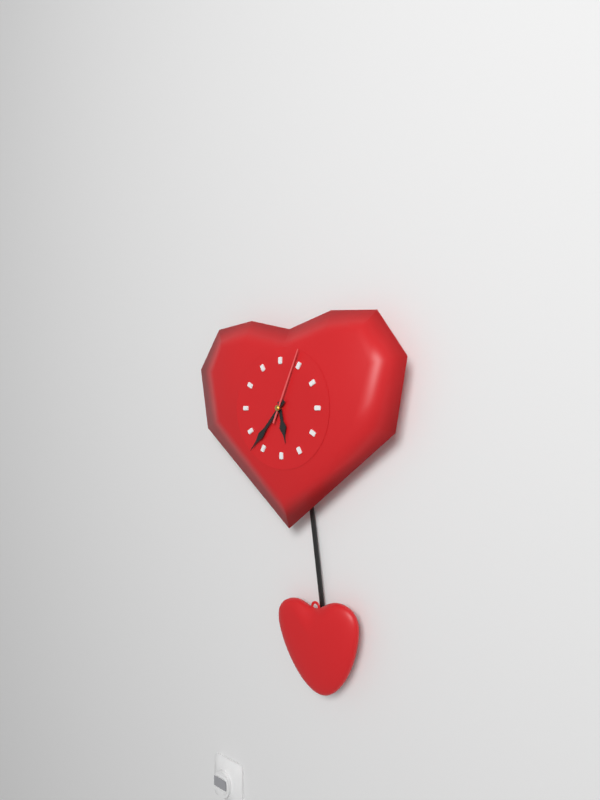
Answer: {"hour": 5, "minute": 37, "second": 4}
